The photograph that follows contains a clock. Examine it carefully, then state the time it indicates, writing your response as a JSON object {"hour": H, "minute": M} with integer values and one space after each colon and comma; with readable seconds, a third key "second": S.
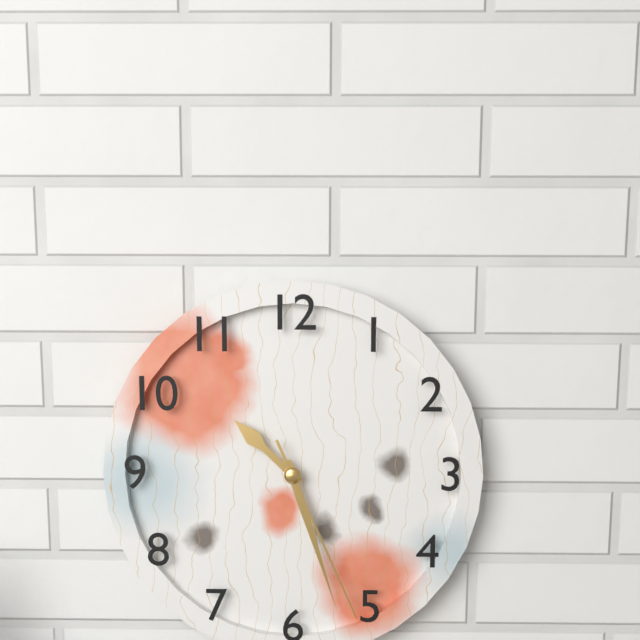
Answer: {"hour": 10, "minute": 27, "second": 26}
